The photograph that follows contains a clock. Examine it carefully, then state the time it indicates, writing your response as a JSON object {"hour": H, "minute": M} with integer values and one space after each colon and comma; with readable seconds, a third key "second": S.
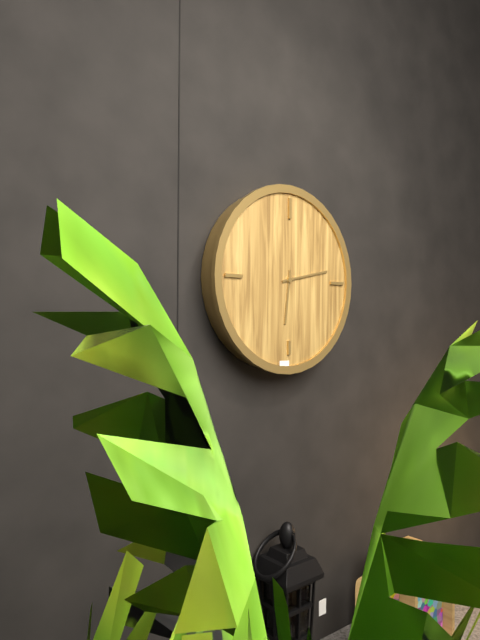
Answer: {"hour": 6, "minute": 13}
